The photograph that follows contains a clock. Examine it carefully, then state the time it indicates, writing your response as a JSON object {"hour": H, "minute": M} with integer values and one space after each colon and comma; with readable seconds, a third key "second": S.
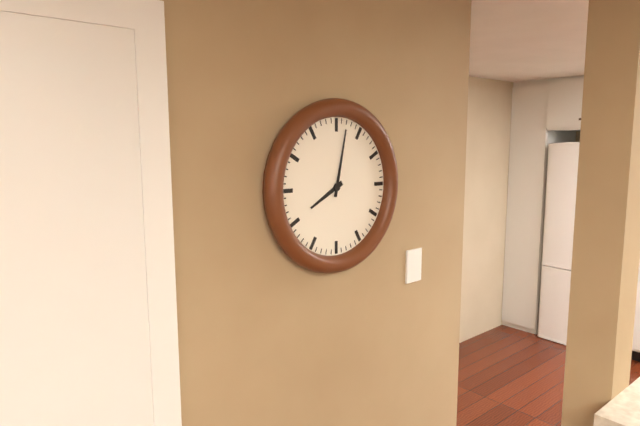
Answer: {"hour": 8, "minute": 2}
